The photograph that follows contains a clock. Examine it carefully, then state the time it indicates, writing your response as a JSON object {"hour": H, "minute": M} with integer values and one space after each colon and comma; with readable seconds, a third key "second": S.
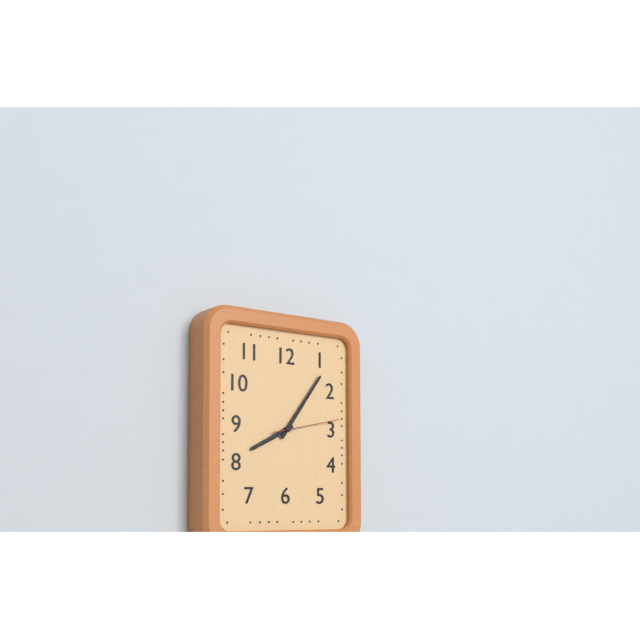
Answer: {"hour": 8, "minute": 6, "second": 13}
